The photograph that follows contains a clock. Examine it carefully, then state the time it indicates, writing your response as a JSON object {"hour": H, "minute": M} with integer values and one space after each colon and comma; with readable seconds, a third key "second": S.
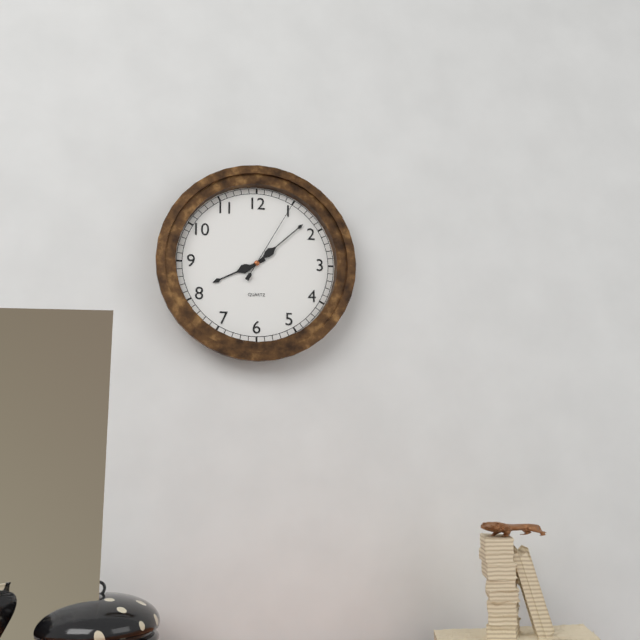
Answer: {"hour": 8, "minute": 8, "second": 5}
